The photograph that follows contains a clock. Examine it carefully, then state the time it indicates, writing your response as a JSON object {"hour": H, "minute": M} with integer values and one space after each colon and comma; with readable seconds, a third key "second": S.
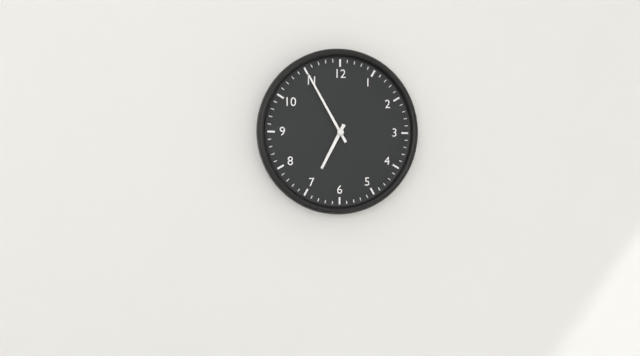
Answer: {"hour": 6, "minute": 55}
